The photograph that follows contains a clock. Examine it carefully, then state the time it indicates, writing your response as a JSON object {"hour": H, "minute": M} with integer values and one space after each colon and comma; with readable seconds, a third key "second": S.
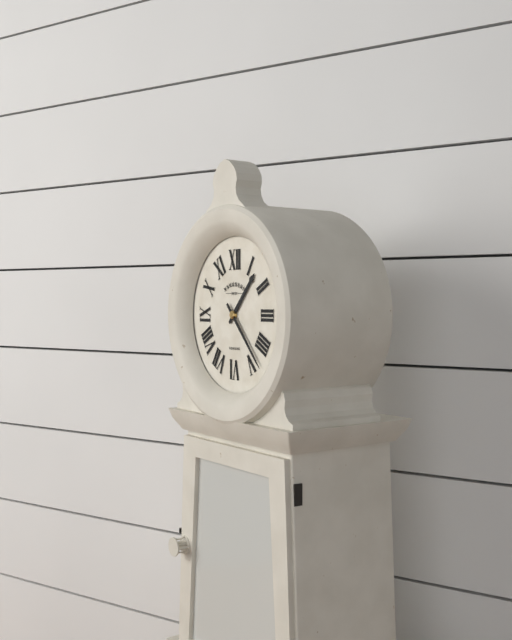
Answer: {"hour": 1, "minute": 23}
